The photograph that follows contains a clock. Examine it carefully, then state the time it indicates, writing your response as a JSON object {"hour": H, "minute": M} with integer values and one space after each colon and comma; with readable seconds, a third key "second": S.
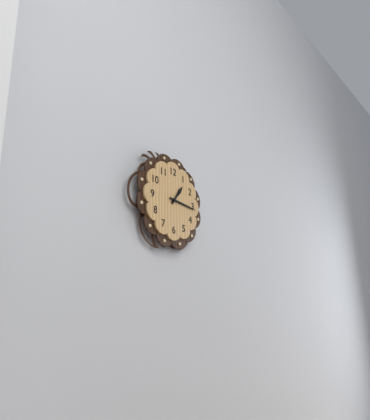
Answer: {"hour": 1, "minute": 16}
